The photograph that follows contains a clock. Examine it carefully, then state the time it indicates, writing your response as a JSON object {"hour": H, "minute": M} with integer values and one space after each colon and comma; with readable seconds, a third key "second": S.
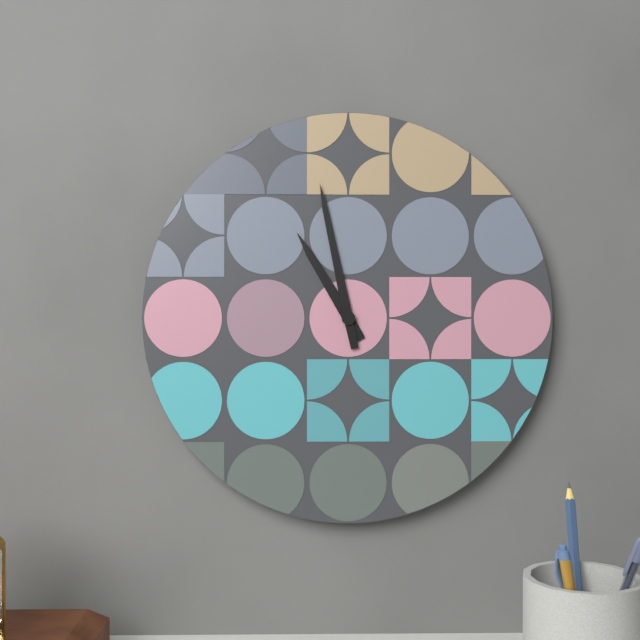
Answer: {"hour": 10, "minute": 58}
